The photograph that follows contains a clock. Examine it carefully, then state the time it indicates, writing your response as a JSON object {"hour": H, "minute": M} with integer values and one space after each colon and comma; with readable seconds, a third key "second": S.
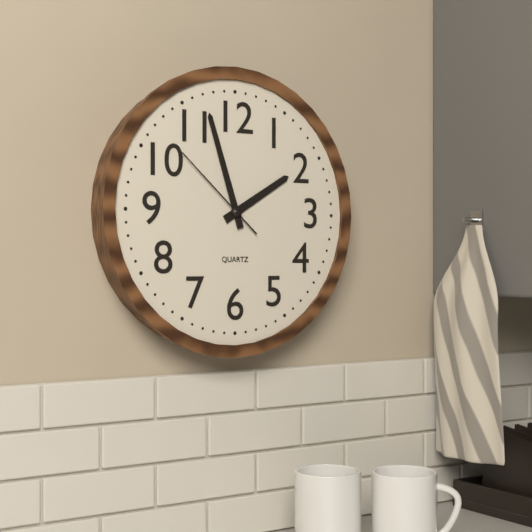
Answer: {"hour": 1, "minute": 57, "second": 52}
